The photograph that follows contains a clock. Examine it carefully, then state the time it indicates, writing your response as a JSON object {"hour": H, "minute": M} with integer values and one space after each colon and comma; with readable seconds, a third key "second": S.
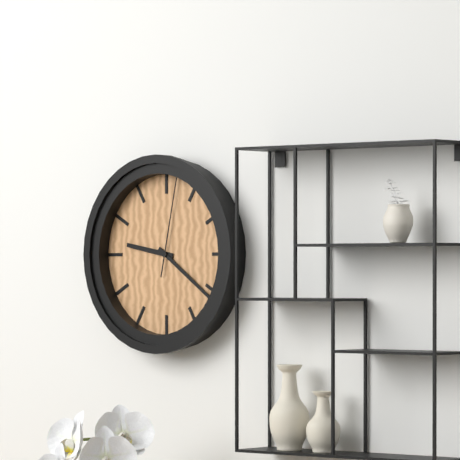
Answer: {"hour": 9, "minute": 21, "second": 2}
